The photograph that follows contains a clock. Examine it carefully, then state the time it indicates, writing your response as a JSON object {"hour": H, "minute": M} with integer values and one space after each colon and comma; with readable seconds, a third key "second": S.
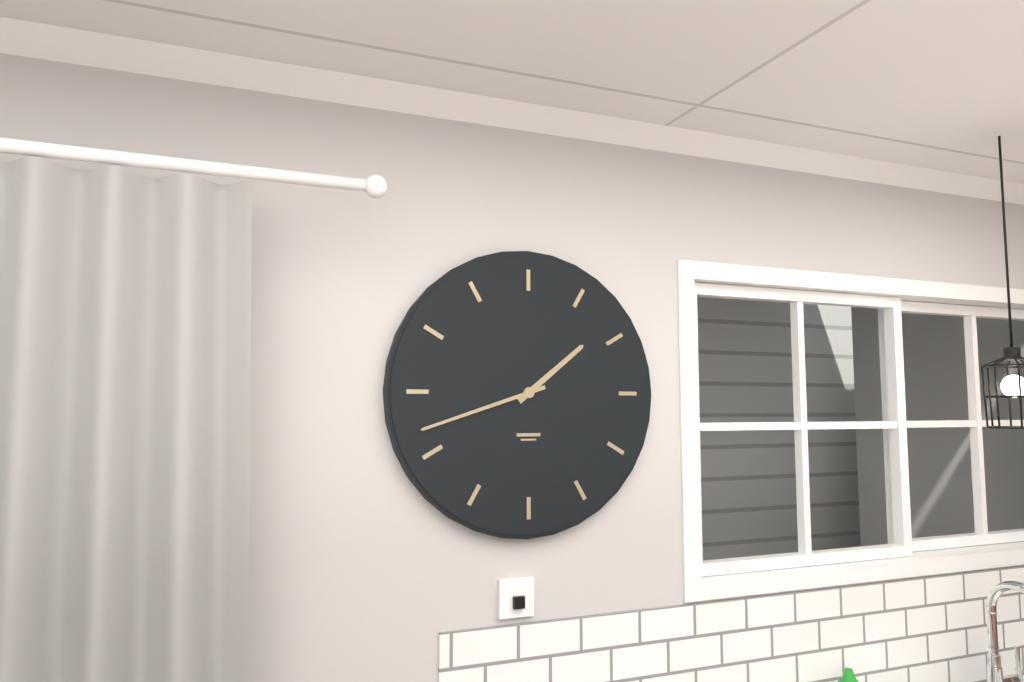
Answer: {"hour": 1, "minute": 42}
